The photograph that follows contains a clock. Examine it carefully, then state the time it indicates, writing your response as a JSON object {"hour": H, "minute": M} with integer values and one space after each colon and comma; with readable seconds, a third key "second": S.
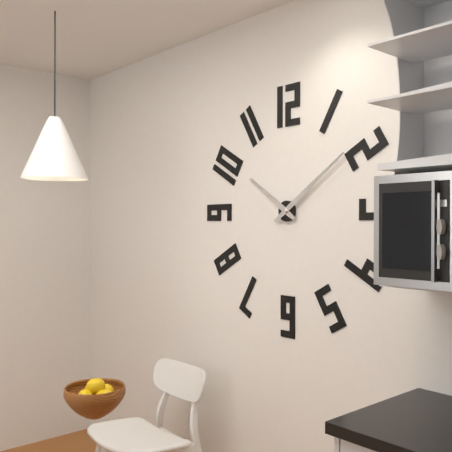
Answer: {"hour": 10, "minute": 9}
